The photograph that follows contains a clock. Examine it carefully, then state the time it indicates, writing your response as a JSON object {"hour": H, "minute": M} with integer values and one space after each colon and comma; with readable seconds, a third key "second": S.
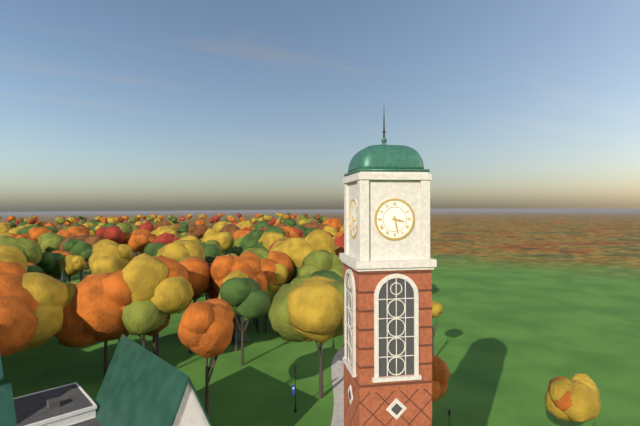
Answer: {"hour": 3, "minute": 28}
